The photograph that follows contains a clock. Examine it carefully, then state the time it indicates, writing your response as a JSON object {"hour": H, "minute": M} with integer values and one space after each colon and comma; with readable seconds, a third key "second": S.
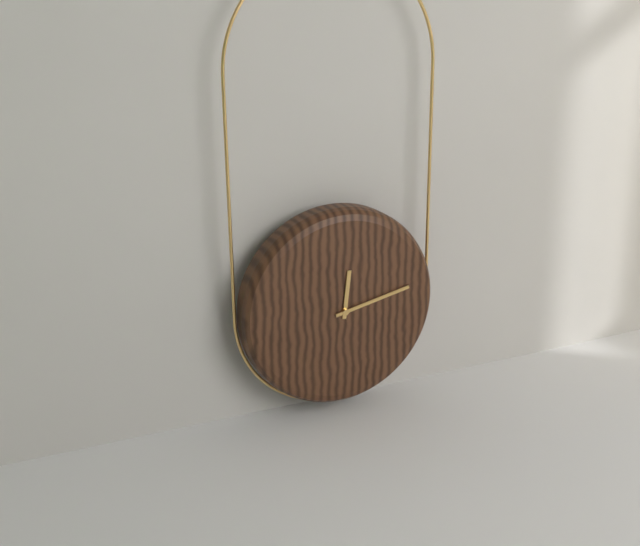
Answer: {"hour": 12, "minute": 13}
